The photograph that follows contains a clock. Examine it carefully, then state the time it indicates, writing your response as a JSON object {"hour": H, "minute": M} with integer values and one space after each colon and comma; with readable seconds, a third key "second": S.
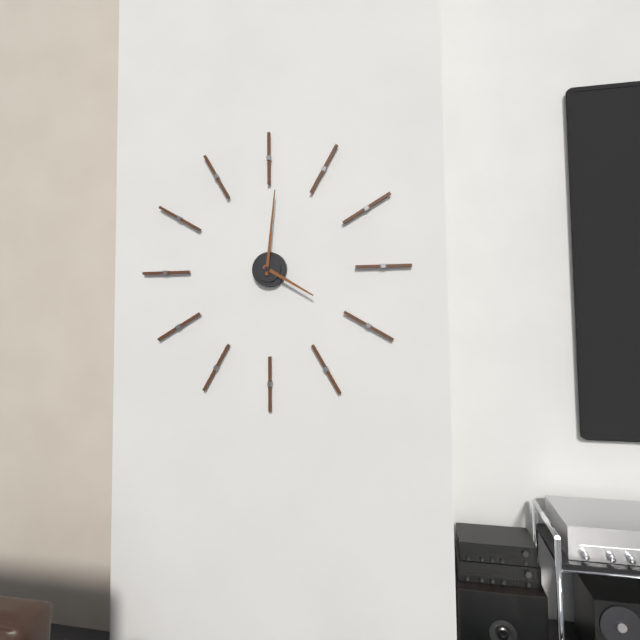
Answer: {"hour": 4, "minute": 1}
